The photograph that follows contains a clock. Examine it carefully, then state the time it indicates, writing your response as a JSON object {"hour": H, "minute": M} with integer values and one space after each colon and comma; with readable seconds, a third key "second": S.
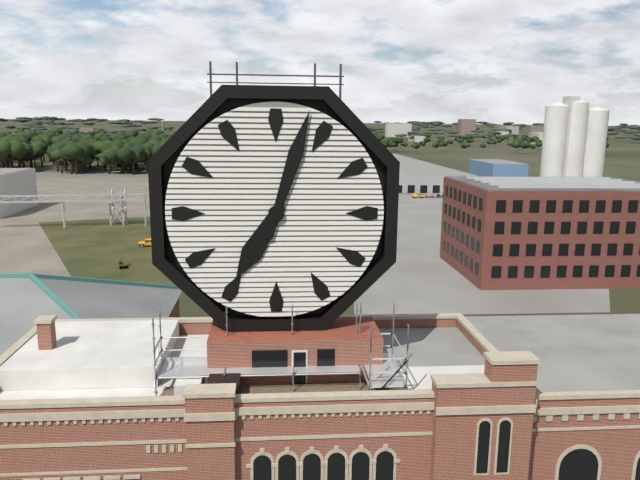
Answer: {"hour": 7, "minute": 3}
